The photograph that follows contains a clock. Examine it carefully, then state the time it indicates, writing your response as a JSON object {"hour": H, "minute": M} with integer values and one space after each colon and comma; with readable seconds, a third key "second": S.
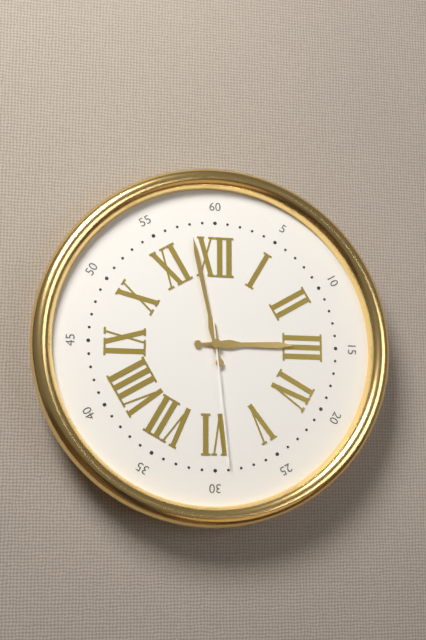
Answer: {"hour": 2, "minute": 58, "second": 29}
